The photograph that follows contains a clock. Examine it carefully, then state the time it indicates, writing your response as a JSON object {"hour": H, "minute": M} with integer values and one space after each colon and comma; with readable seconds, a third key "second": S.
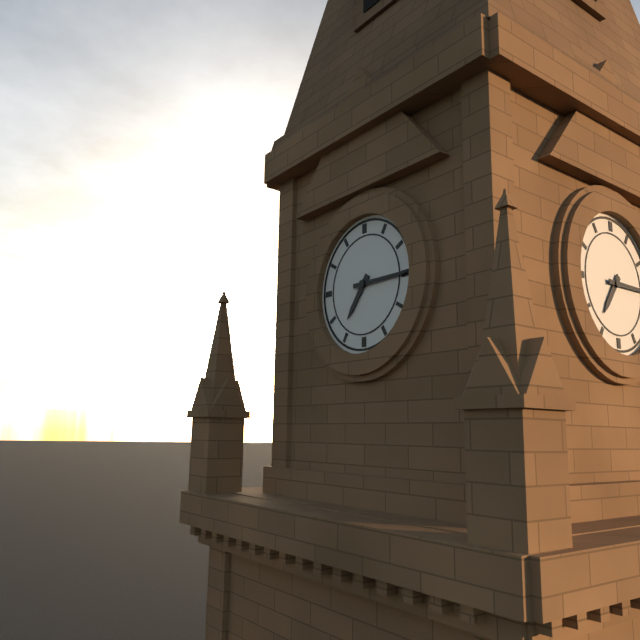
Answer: {"hour": 7, "minute": 15}
